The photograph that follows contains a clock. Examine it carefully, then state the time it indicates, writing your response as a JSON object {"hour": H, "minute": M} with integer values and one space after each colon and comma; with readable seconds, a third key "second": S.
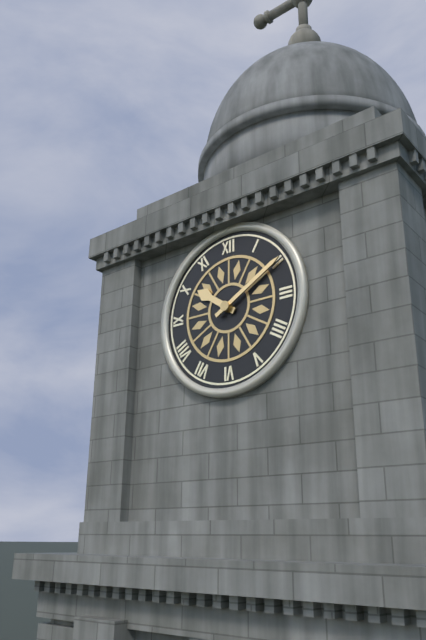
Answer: {"hour": 10, "minute": 10}
